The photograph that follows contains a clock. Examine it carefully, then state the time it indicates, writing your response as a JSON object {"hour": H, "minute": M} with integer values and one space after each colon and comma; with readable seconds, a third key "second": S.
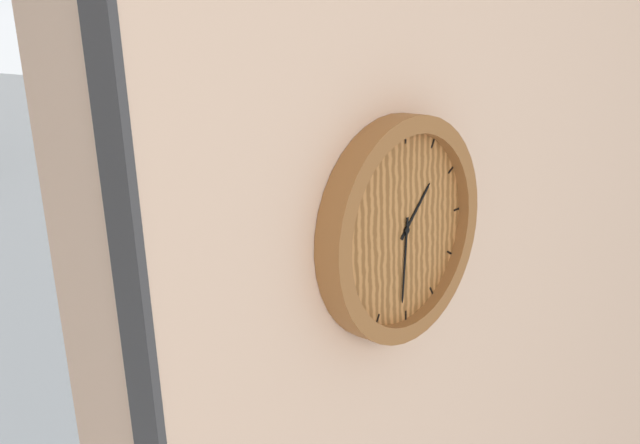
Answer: {"hour": 1, "minute": 31}
